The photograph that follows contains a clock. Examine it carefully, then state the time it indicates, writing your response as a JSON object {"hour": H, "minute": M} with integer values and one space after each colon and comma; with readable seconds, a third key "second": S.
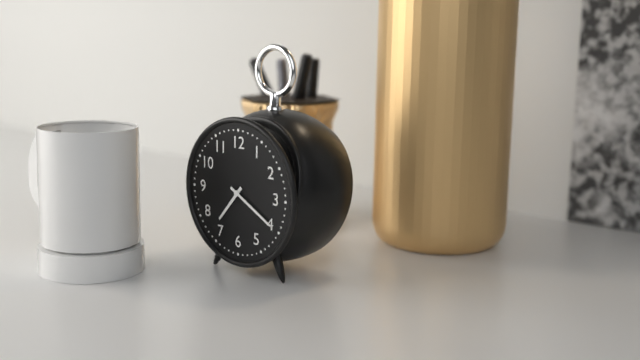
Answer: {"hour": 7, "minute": 20}
